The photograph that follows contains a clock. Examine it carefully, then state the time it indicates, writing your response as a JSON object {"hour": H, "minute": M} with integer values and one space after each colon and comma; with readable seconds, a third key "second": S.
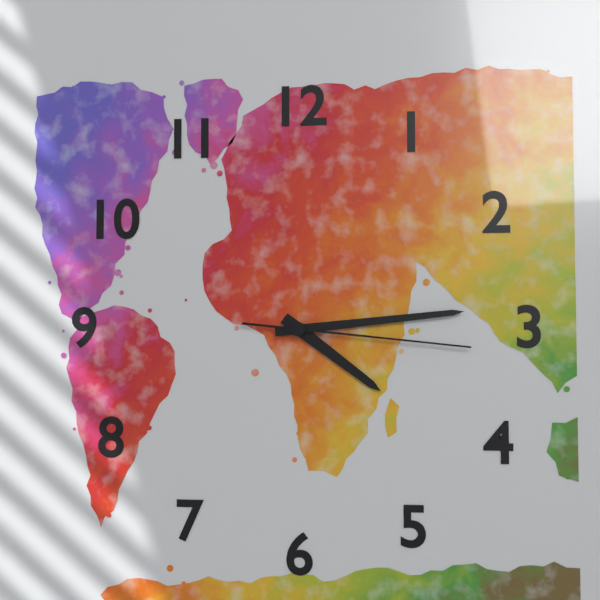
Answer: {"hour": 4, "minute": 14, "second": 16}
